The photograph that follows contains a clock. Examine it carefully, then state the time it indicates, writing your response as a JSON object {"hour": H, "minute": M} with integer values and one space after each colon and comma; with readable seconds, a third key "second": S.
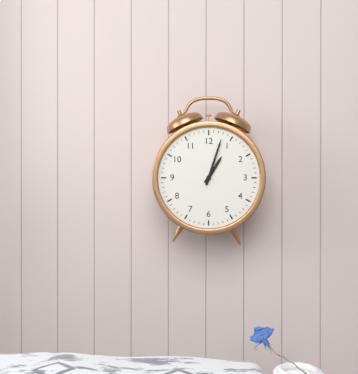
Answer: {"hour": 1, "minute": 3}
